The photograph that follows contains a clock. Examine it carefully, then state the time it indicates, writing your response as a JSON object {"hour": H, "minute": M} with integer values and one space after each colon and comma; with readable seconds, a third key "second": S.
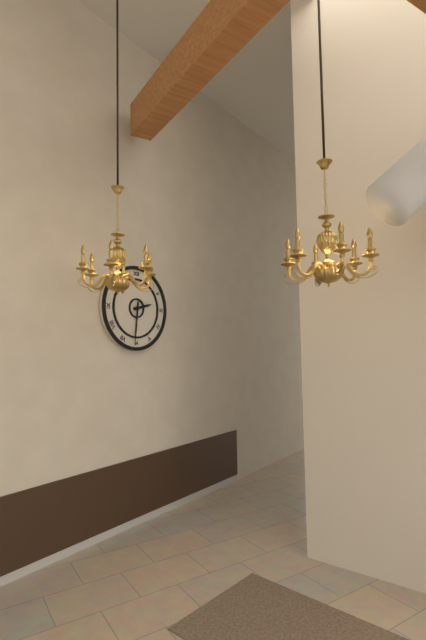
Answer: {"hour": 2, "minute": 31}
